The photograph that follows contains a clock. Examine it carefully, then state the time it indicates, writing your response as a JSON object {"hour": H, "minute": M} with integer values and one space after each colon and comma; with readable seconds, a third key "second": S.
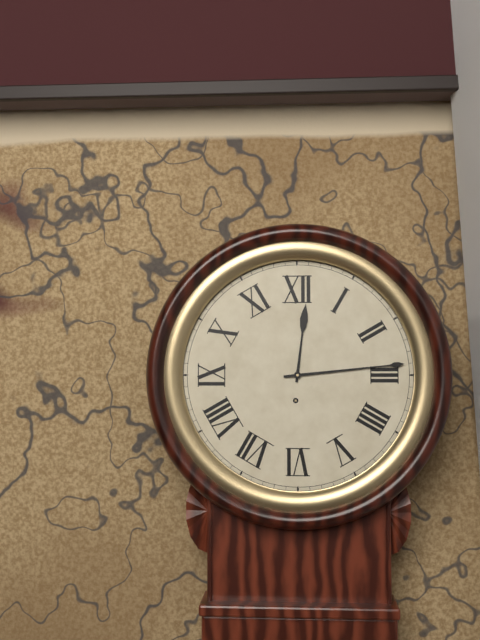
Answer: {"hour": 12, "minute": 14}
